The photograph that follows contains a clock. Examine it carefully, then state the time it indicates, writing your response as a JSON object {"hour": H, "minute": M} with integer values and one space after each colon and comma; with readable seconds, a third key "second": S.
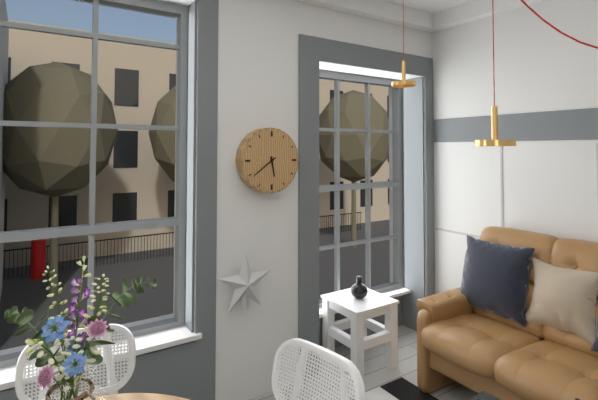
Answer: {"hour": 5, "minute": 39}
